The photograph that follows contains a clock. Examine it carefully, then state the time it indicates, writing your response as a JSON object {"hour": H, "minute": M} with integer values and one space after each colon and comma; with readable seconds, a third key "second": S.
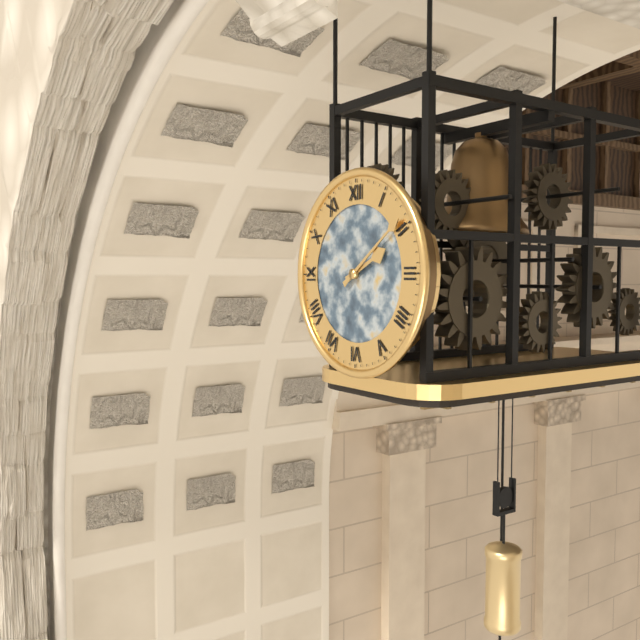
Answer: {"hour": 2, "minute": 9}
